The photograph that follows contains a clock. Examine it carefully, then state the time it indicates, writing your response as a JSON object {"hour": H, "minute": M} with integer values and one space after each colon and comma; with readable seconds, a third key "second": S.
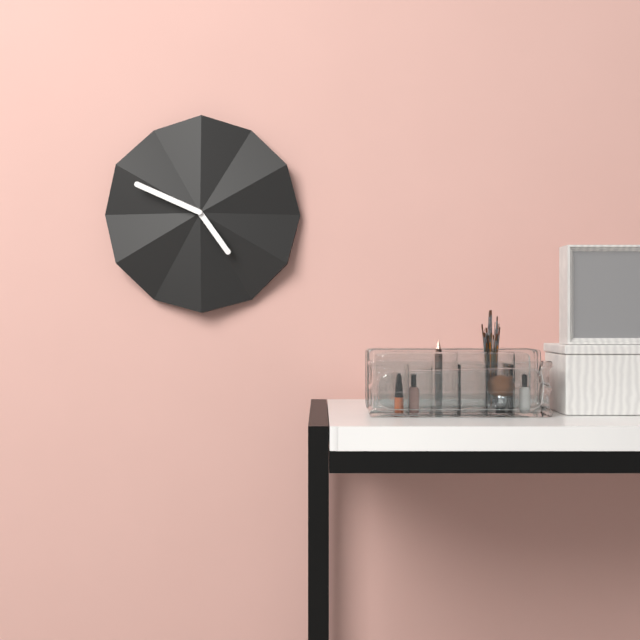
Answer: {"hour": 4, "minute": 49}
